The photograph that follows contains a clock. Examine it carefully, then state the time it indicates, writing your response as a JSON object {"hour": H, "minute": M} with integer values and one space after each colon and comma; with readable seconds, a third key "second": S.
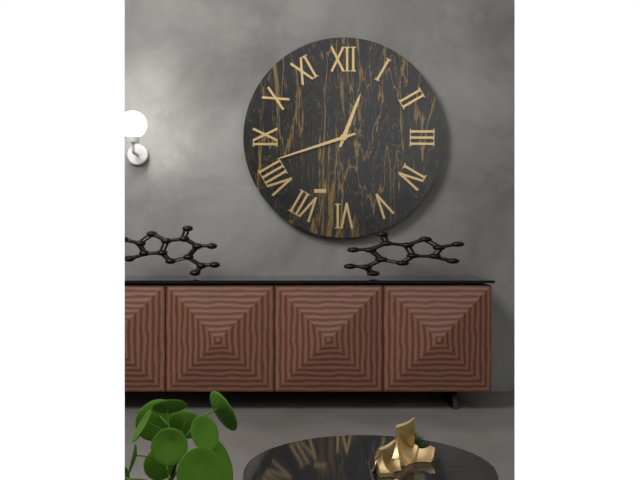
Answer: {"hour": 12, "minute": 42}
